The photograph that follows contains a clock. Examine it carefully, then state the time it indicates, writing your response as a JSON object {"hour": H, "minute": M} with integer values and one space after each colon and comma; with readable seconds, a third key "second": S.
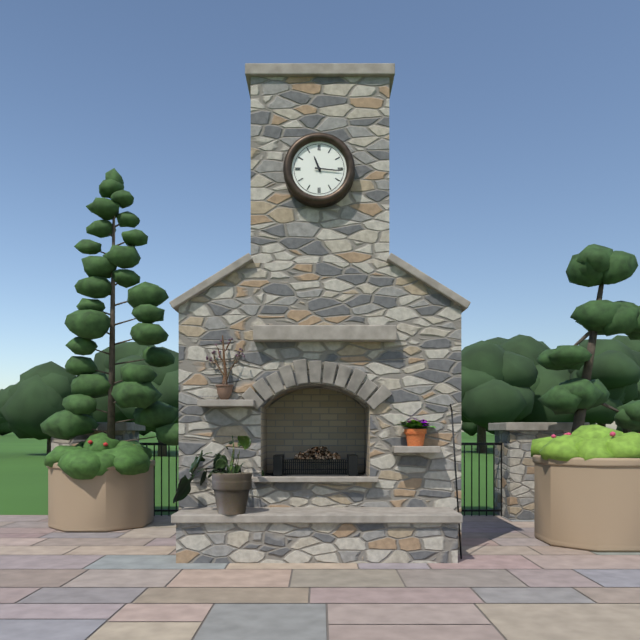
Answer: {"hour": 11, "minute": 16}
